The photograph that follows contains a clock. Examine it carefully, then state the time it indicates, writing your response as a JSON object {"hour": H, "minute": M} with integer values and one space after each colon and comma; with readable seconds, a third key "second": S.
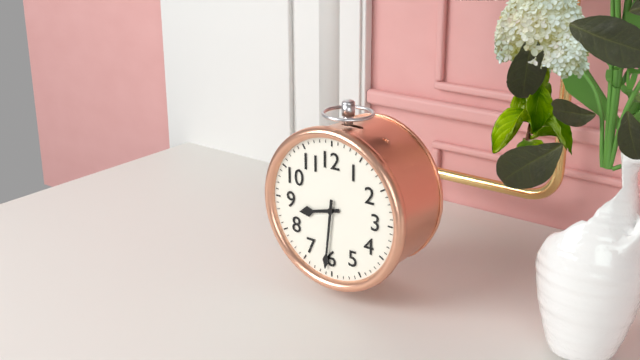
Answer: {"hour": 8, "minute": 31}
